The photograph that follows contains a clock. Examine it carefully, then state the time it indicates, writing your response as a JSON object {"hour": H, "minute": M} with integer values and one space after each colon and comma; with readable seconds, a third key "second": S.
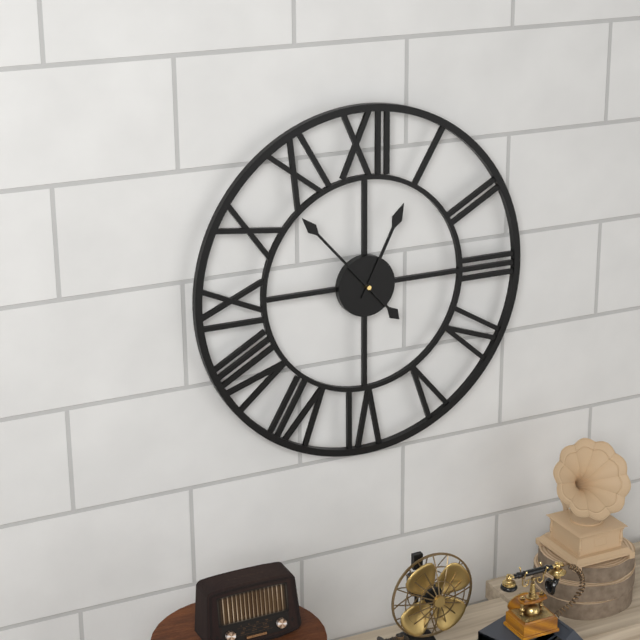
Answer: {"hour": 12, "minute": 53}
